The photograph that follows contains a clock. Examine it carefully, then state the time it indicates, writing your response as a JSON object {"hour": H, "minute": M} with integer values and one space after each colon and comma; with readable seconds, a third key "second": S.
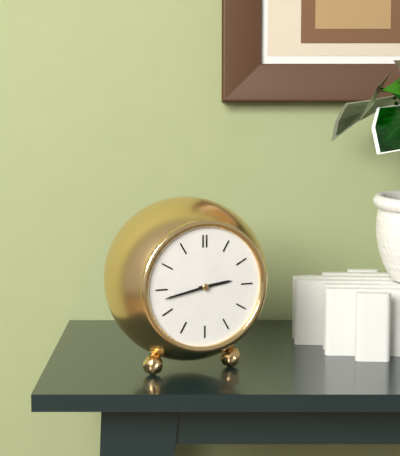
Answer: {"hour": 2, "minute": 43}
